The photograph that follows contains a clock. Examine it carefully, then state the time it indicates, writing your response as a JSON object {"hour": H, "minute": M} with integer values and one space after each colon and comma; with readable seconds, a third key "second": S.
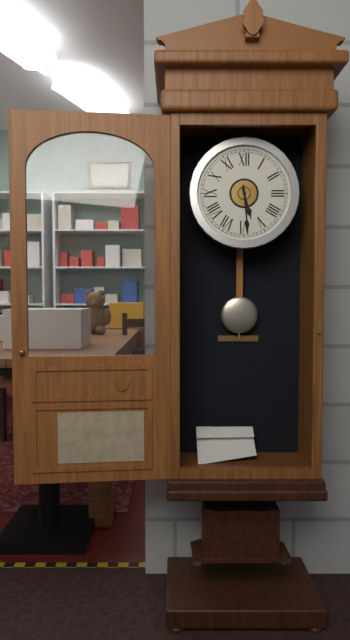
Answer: {"hour": 5, "minute": 29}
